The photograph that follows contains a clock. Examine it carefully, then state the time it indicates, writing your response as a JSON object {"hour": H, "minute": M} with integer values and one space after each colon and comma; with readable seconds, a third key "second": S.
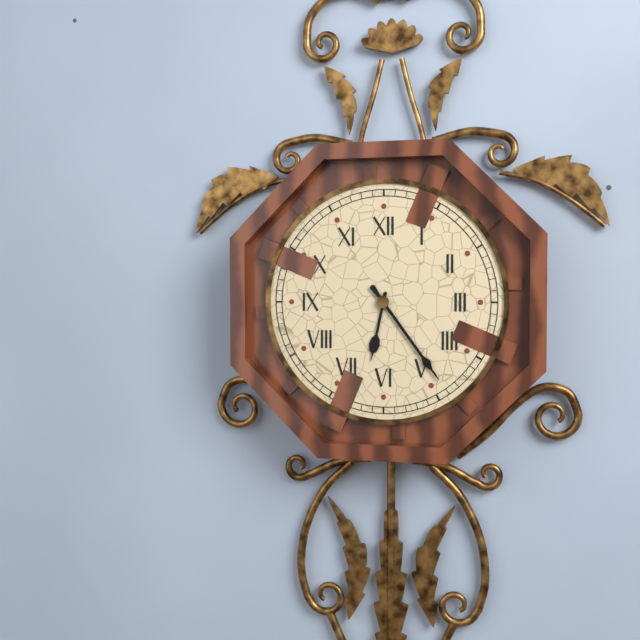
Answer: {"hour": 6, "minute": 24}
